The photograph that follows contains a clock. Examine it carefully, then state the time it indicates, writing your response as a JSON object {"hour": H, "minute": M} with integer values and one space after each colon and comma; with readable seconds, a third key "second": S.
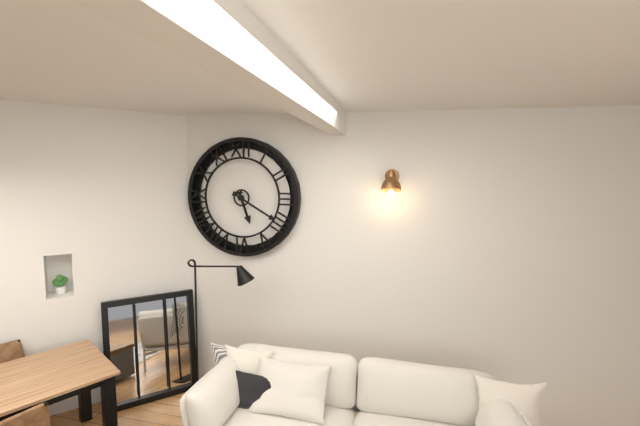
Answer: {"hour": 5, "minute": 20}
